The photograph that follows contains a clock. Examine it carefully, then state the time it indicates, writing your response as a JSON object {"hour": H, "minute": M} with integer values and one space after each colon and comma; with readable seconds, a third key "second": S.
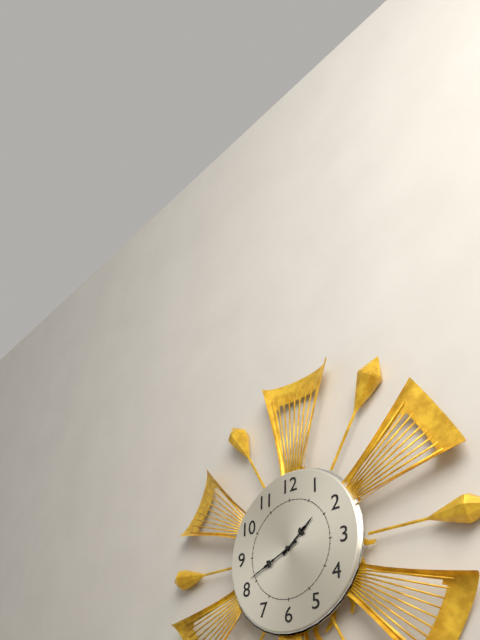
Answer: {"hour": 1, "minute": 41}
